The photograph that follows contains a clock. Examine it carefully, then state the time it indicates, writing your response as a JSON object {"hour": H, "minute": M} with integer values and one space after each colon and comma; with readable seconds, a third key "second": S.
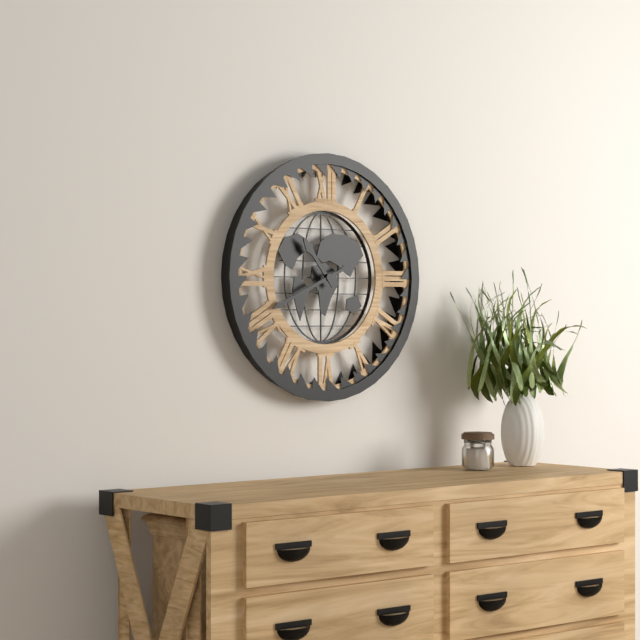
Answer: {"hour": 10, "minute": 41}
